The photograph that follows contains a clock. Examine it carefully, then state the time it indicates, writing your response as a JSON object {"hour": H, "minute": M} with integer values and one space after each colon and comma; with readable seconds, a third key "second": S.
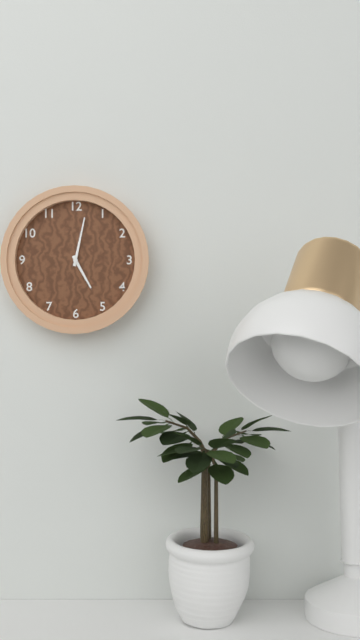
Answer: {"hour": 5, "minute": 2}
